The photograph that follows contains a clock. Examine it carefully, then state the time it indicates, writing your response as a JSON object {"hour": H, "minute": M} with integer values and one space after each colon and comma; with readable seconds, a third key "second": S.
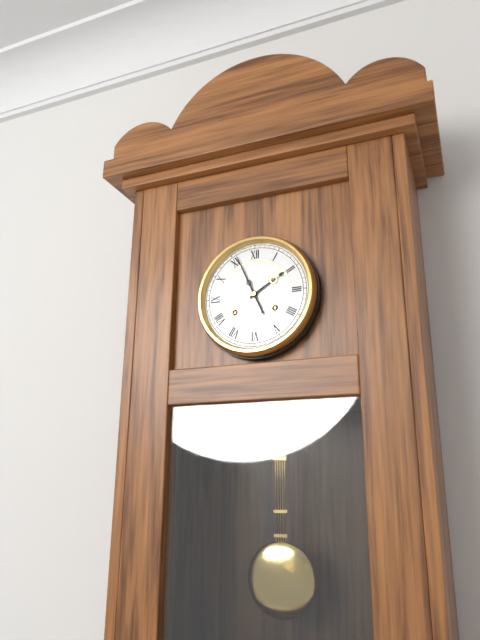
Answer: {"hour": 1, "minute": 56}
